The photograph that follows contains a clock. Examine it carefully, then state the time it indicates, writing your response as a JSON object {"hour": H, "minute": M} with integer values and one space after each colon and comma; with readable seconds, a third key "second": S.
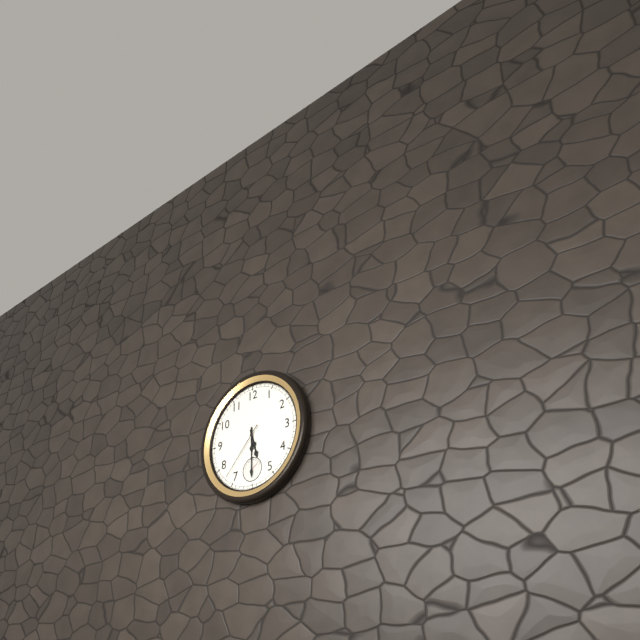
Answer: {"hour": 5, "minute": 30, "second": 37}
